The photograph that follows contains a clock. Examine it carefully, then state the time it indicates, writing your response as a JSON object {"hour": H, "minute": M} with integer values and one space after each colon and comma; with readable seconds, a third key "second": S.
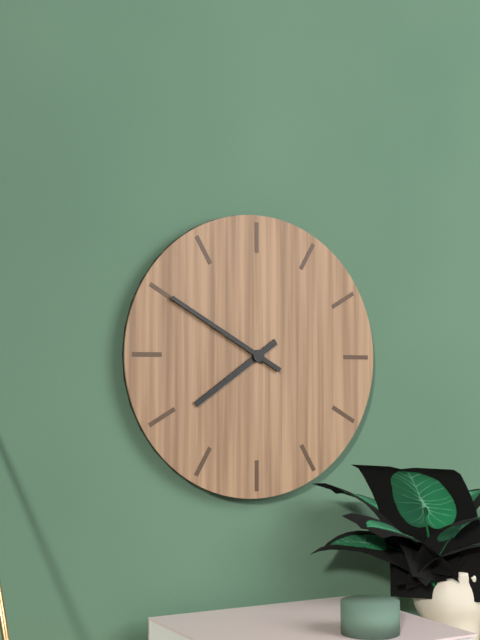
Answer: {"hour": 7, "minute": 50}
